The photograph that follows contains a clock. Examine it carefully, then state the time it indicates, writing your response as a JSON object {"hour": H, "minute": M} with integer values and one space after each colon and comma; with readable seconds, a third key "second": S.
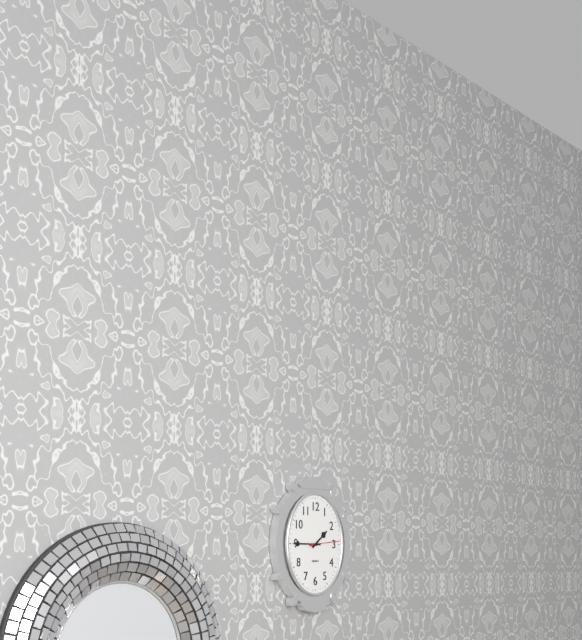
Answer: {"hour": 1, "minute": 45}
